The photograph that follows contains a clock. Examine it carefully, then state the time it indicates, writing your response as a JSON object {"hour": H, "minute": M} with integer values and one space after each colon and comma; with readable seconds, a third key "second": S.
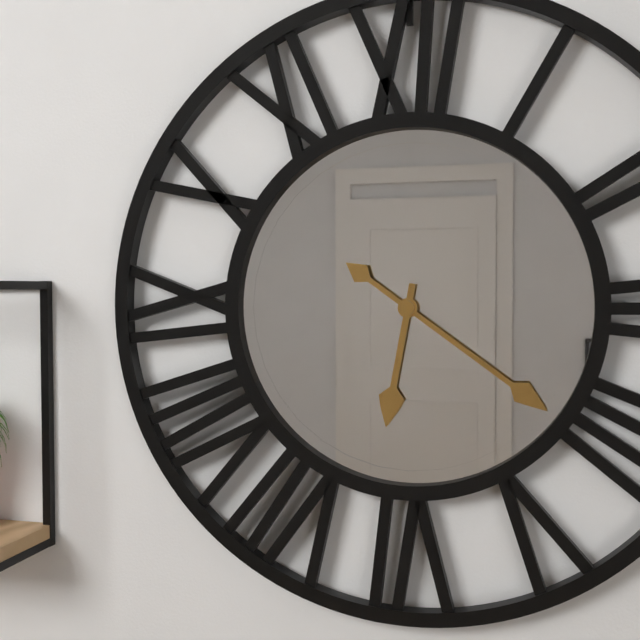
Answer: {"hour": 6, "minute": 21}
